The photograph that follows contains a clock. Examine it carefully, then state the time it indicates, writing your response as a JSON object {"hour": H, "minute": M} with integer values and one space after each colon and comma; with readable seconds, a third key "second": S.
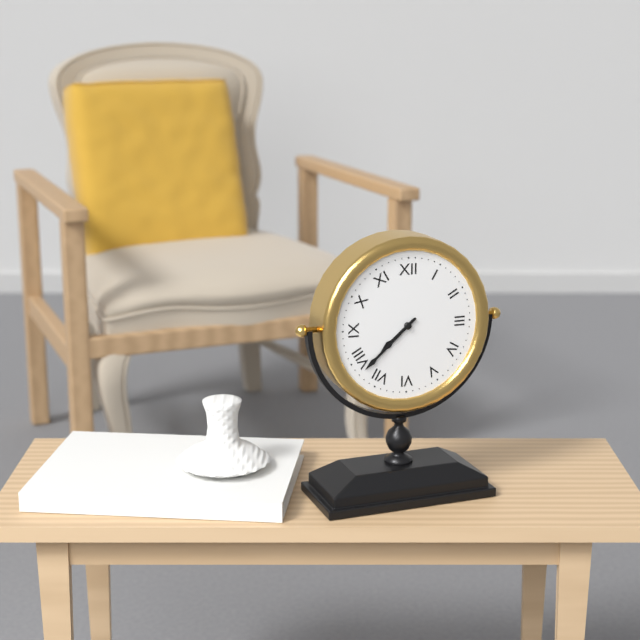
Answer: {"hour": 7, "minute": 38}
